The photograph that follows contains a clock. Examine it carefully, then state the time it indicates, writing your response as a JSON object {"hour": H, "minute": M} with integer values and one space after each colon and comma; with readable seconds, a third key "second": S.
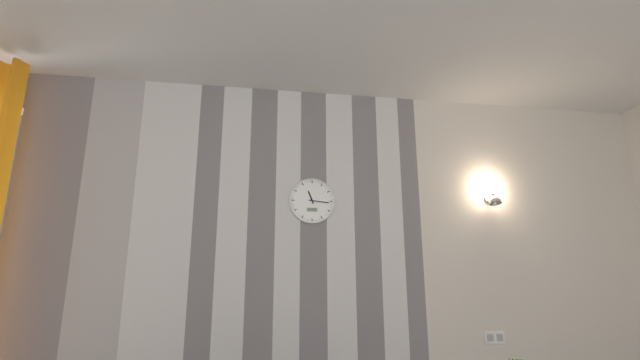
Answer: {"hour": 11, "minute": 16}
